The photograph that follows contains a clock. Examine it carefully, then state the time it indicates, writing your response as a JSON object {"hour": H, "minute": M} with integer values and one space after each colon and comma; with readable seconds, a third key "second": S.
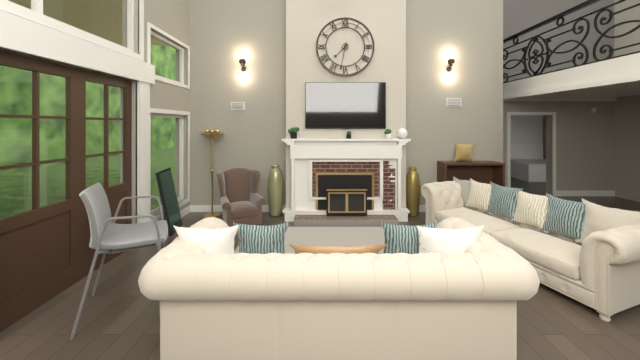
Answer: {"hour": 7, "minute": 32}
